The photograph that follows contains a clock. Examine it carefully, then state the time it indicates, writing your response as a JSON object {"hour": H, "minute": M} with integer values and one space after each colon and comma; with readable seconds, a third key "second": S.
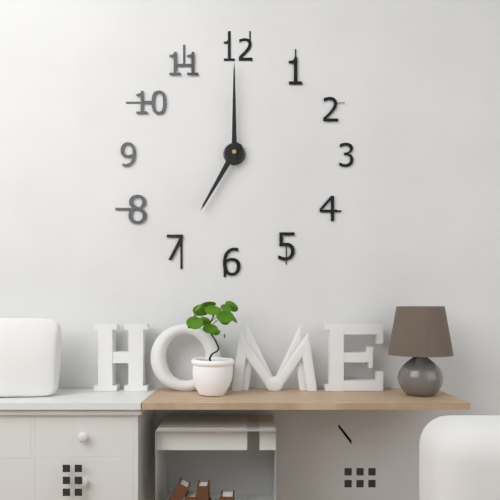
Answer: {"hour": 7, "minute": 0}
